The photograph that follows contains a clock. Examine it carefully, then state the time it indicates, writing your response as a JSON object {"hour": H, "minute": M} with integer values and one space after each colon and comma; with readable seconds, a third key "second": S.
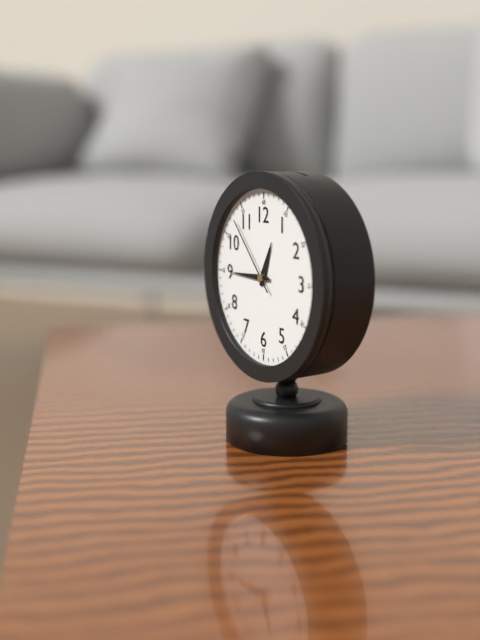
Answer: {"hour": 12, "minute": 45, "second": 53}
